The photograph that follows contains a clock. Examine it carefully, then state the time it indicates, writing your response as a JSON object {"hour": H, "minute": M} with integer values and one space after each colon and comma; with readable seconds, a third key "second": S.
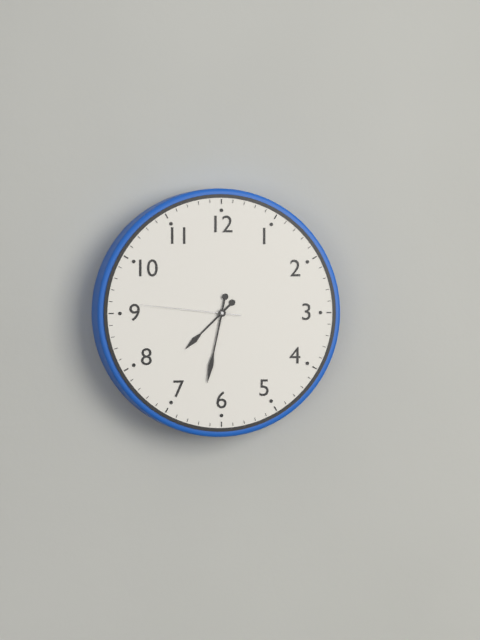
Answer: {"hour": 7, "minute": 32, "second": 46}
